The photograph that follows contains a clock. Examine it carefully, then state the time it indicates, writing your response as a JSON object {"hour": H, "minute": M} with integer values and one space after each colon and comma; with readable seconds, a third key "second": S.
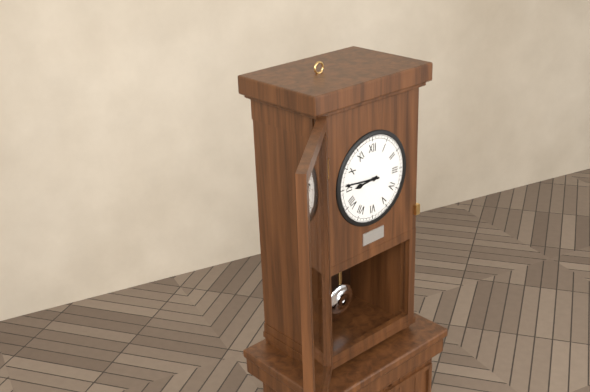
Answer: {"hour": 8, "minute": 46}
